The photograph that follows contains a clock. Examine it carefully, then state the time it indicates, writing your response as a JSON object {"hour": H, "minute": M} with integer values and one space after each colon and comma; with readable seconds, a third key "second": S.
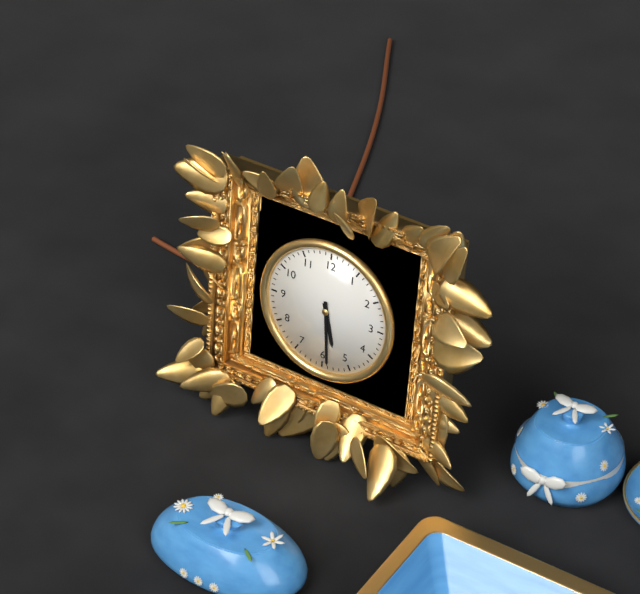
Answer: {"hour": 5, "minute": 29}
